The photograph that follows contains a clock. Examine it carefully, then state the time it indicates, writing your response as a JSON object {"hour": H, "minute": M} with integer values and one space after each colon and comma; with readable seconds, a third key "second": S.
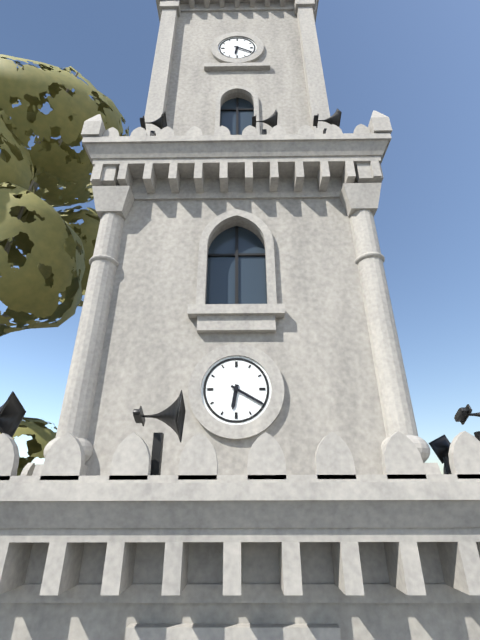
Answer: {"hour": 6, "minute": 20}
